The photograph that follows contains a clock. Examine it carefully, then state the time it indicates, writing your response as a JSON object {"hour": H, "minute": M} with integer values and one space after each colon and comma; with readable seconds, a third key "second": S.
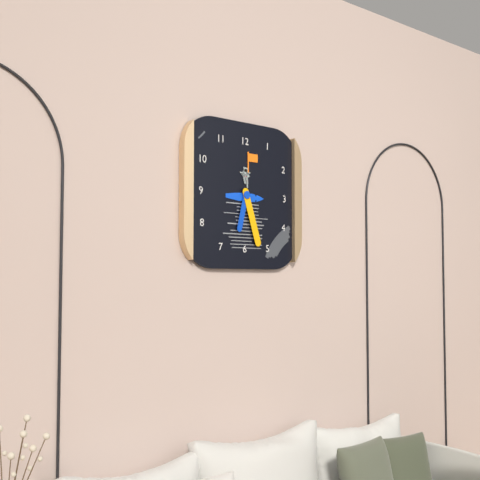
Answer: {"hour": 6, "minute": 27}
